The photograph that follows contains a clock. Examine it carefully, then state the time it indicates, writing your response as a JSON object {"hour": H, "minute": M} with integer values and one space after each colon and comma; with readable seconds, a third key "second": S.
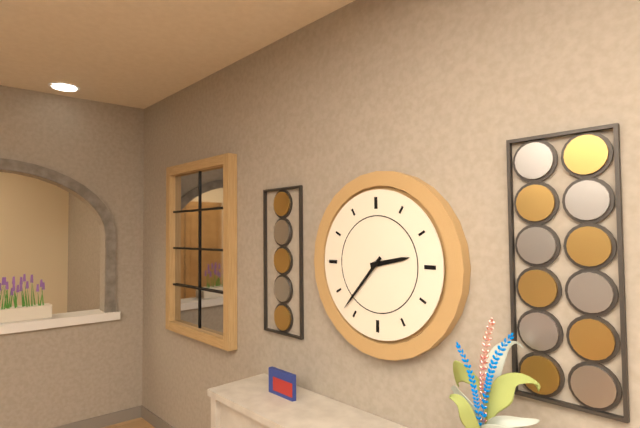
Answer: {"hour": 2, "minute": 37}
